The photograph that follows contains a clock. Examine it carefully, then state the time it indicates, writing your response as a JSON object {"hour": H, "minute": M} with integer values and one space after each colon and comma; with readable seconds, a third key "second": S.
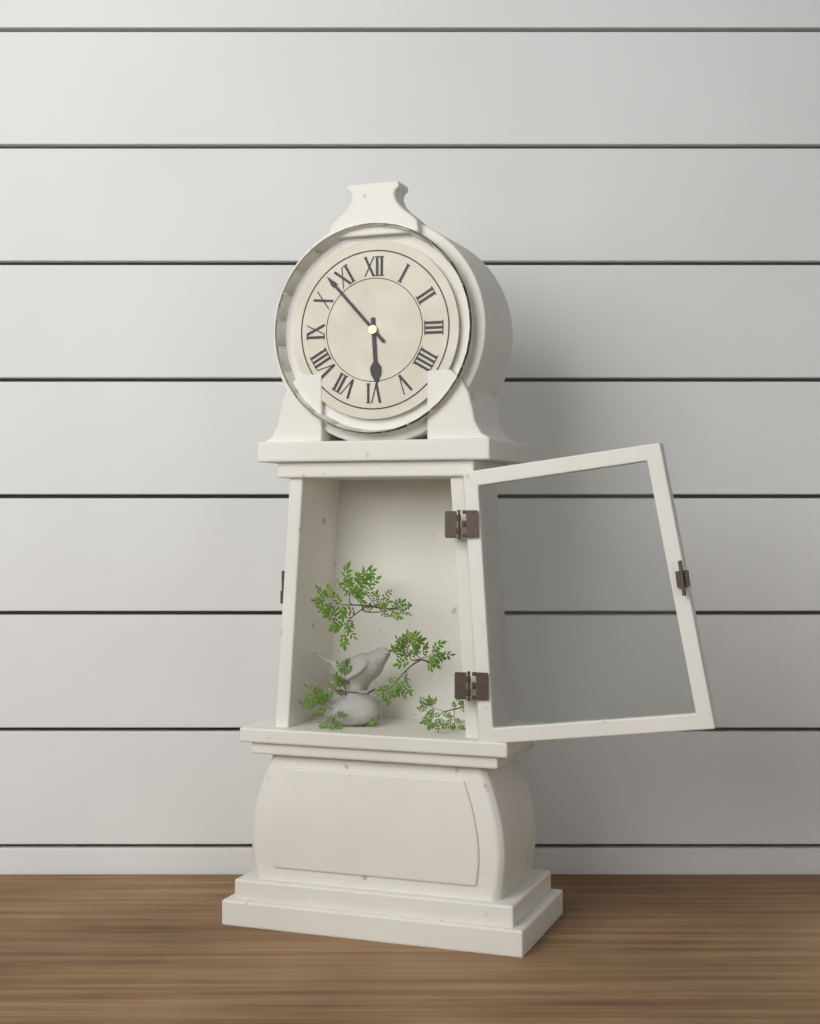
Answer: {"hour": 5, "minute": 53}
